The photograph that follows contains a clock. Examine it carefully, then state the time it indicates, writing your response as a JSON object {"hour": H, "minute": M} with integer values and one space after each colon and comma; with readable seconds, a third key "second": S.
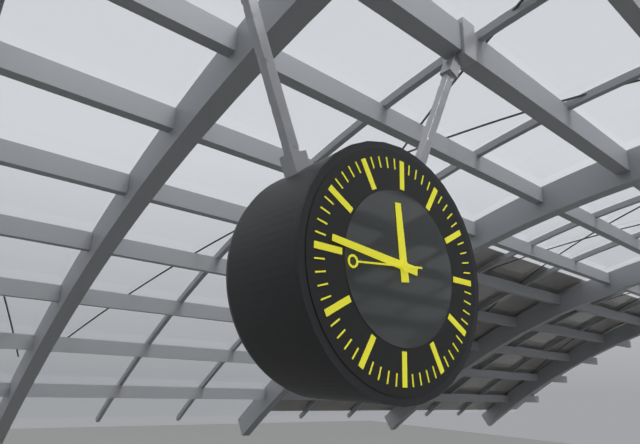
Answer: {"hour": 11, "minute": 46, "second": 44}
